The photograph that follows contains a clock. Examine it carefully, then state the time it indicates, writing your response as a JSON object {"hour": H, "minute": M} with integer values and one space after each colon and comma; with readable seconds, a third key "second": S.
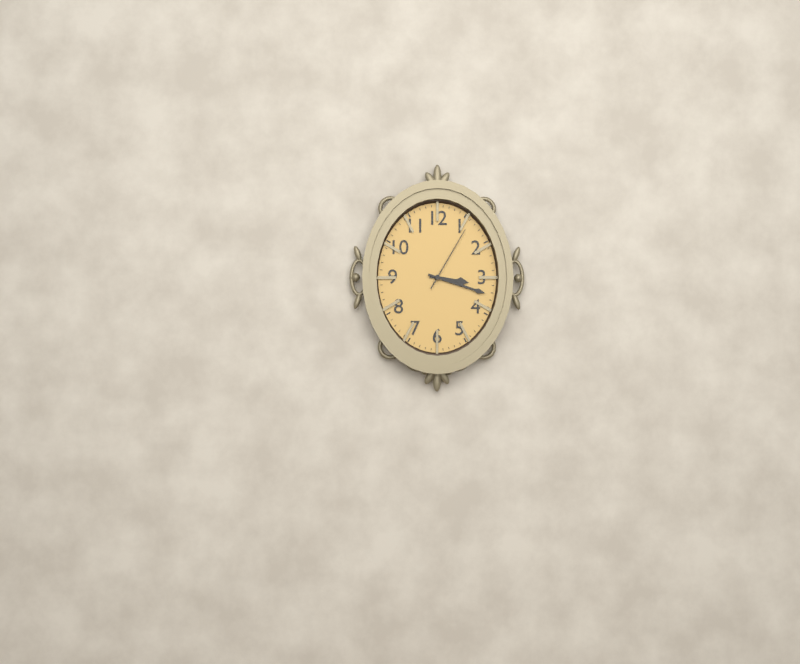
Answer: {"hour": 3, "minute": 18, "second": 5}
